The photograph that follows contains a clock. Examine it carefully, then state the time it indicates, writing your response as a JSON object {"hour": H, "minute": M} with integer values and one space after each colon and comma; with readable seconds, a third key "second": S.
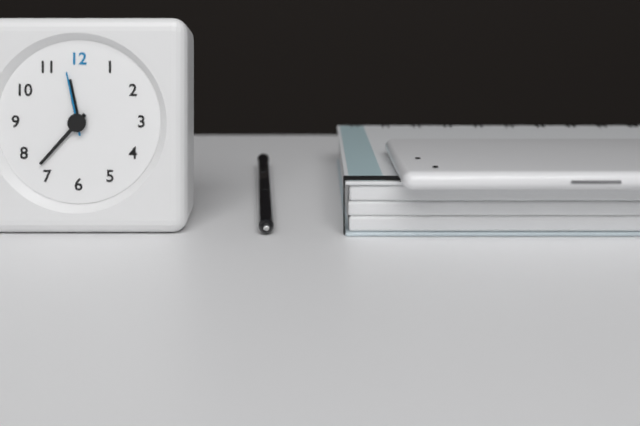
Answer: {"hour": 11, "minute": 37, "second": 58}
